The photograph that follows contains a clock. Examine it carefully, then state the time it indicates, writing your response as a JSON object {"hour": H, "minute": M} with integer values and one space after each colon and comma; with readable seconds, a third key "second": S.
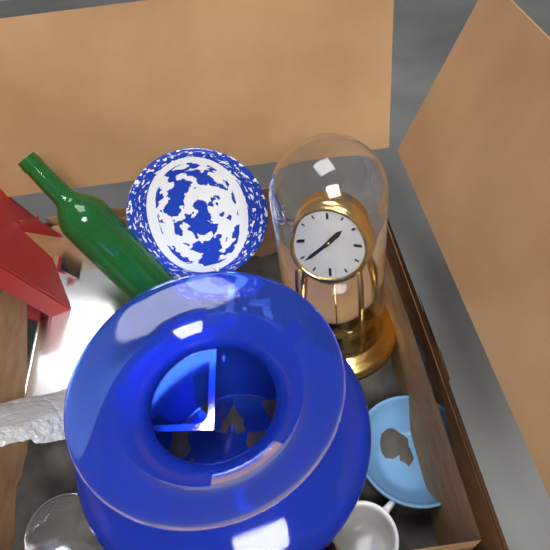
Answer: {"hour": 1, "minute": 39}
